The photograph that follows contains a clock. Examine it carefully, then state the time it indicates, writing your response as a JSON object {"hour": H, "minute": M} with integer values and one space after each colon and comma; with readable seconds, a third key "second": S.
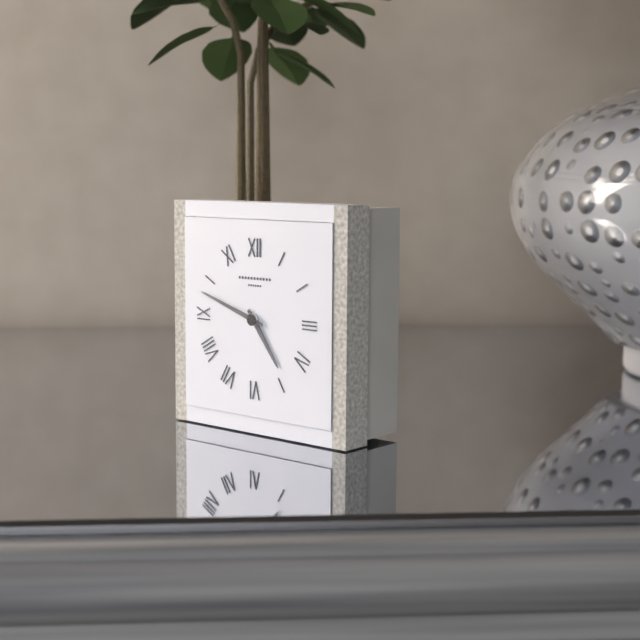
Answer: {"hour": 4, "minute": 48}
